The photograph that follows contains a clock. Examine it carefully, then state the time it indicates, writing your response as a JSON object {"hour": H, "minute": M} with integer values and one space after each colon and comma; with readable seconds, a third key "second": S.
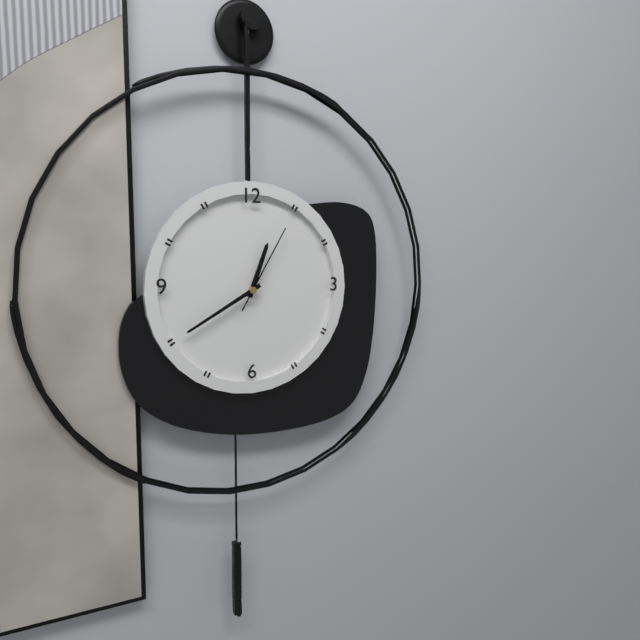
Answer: {"hour": 12, "minute": 40, "second": 5}
